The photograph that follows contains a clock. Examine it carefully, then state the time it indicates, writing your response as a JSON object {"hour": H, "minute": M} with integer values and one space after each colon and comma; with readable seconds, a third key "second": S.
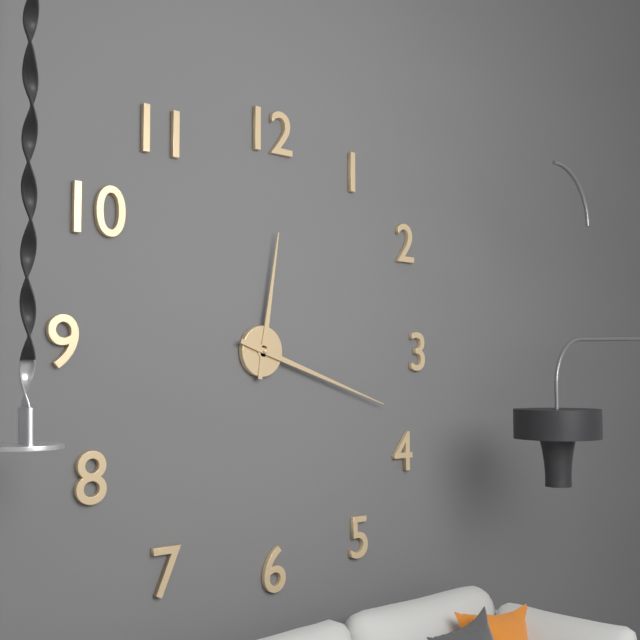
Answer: {"hour": 12, "minute": 18}
